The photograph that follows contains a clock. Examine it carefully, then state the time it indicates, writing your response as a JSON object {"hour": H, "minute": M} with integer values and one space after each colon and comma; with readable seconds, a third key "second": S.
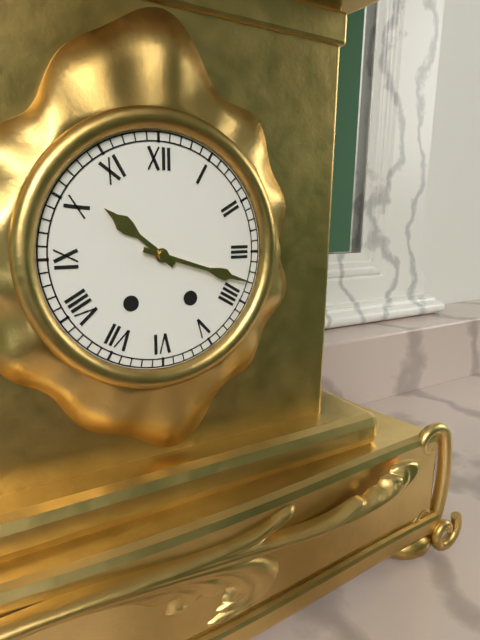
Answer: {"hour": 10, "minute": 18}
